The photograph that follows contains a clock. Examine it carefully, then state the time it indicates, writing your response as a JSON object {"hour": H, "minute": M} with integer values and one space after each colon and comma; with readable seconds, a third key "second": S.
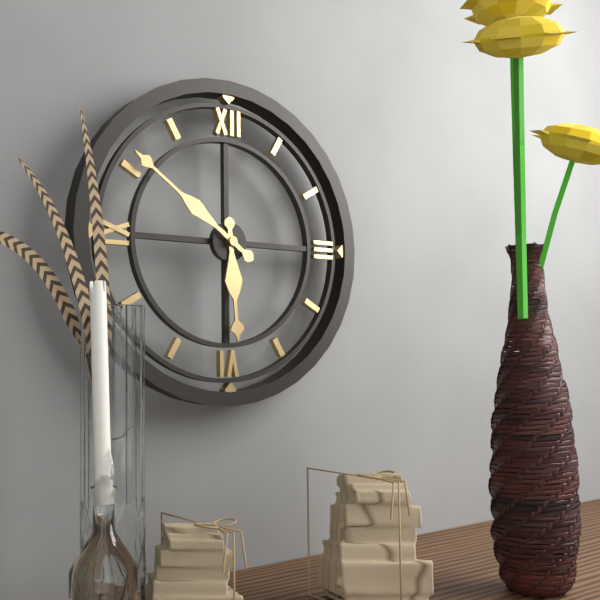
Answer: {"hour": 5, "minute": 51}
